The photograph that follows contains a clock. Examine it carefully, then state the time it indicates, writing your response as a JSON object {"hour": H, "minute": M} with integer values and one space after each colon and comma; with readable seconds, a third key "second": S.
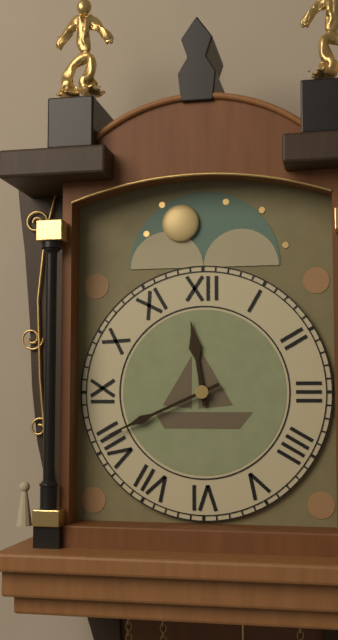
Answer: {"hour": 11, "minute": 41}
